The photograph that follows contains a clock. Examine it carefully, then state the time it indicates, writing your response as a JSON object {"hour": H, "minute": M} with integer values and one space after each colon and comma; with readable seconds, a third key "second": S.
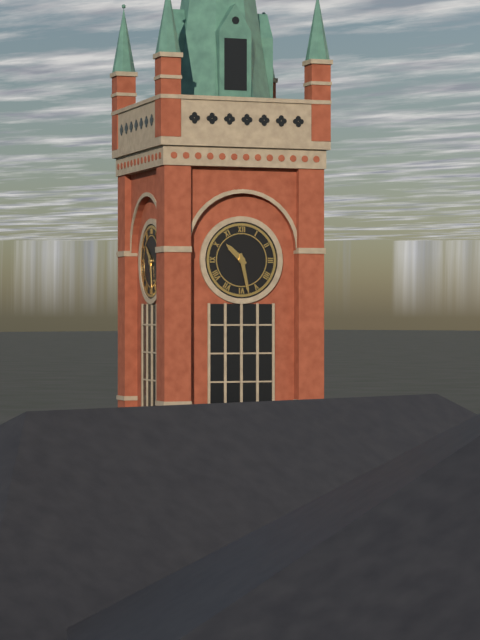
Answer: {"hour": 10, "minute": 28}
